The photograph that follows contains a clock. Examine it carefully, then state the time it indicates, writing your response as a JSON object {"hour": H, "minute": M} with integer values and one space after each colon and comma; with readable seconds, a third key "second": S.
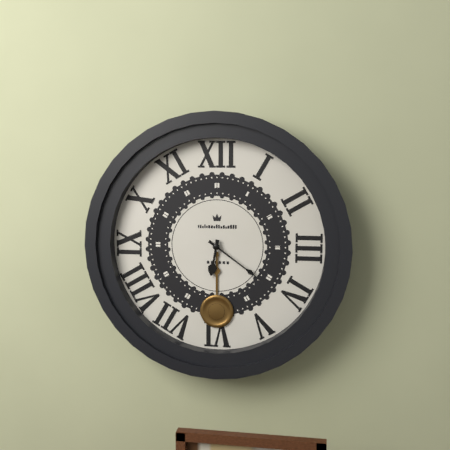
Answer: {"hour": 6, "minute": 21}
